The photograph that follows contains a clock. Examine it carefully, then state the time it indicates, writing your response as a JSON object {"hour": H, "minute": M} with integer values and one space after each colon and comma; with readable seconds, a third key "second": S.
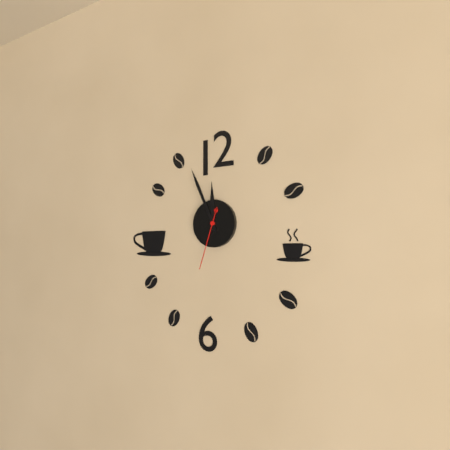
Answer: {"hour": 11, "minute": 56, "second": 33}
